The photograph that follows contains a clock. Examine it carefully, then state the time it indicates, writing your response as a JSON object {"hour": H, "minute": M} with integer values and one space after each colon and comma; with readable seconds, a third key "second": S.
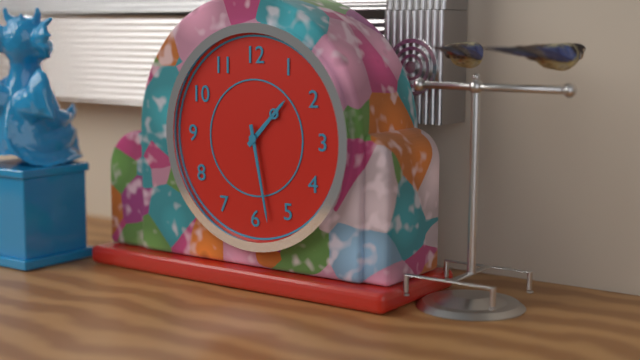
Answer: {"hour": 1, "minute": 28}
